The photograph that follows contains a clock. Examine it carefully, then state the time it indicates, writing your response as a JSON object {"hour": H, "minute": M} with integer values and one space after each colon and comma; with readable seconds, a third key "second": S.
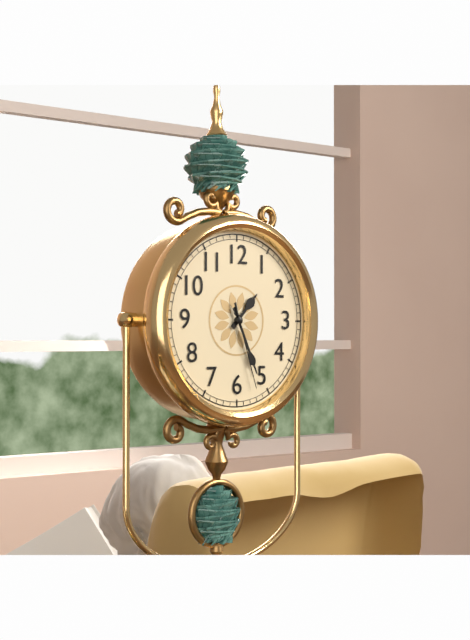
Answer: {"hour": 1, "minute": 26, "second": 27}
